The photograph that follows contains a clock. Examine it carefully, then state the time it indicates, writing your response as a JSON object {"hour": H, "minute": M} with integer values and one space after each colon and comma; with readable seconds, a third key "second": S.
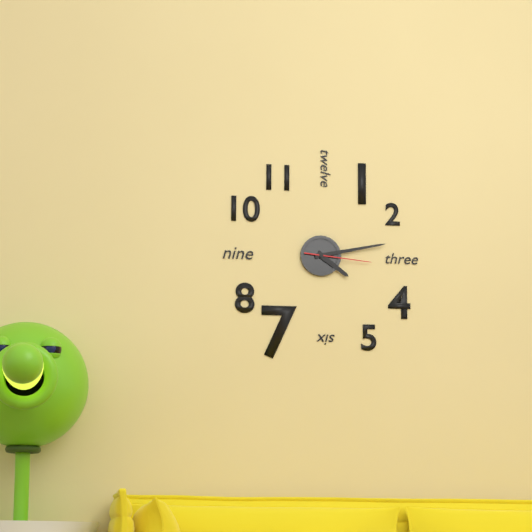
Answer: {"hour": 4, "minute": 13, "second": 16}
